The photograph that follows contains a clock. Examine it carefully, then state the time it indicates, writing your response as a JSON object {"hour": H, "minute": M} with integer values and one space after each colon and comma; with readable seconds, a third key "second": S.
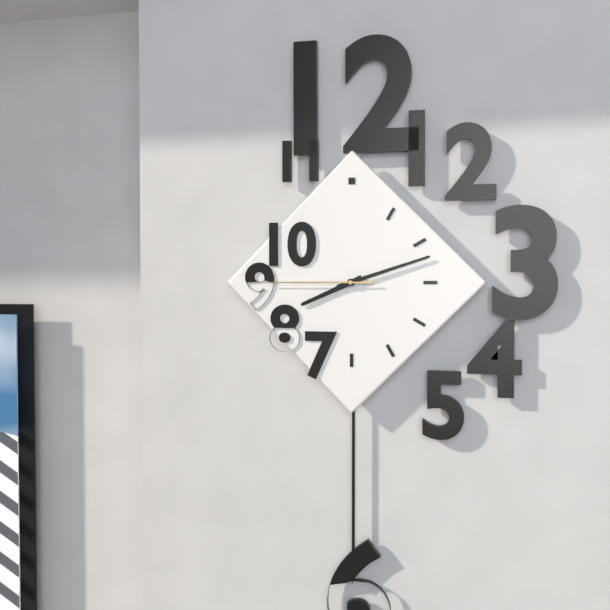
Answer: {"hour": 8, "minute": 12, "second": 45}
